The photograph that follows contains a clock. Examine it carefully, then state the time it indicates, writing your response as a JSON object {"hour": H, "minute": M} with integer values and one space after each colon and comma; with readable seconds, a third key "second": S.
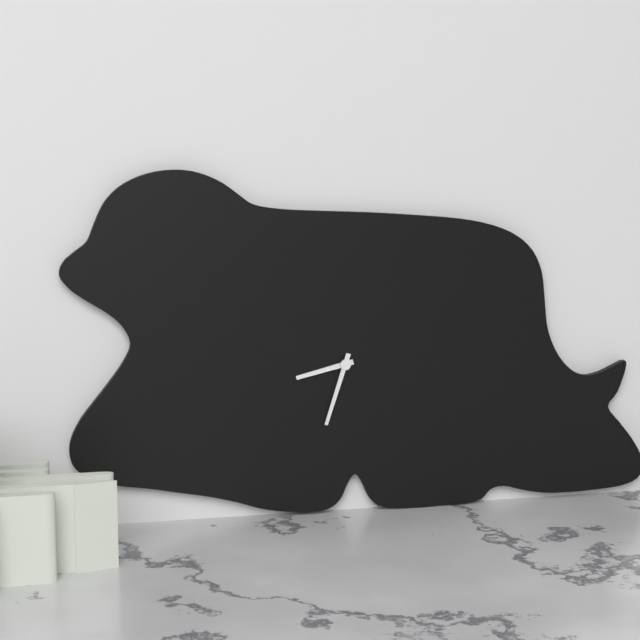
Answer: {"hour": 8, "minute": 33}
